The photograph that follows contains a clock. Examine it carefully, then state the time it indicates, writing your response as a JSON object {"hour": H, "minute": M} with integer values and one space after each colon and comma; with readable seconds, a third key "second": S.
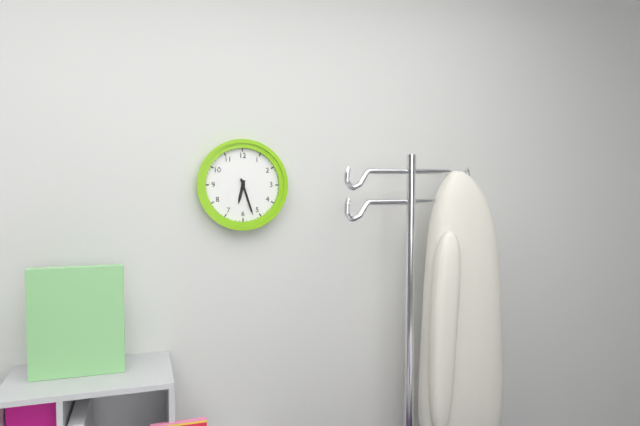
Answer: {"hour": 6, "minute": 27}
